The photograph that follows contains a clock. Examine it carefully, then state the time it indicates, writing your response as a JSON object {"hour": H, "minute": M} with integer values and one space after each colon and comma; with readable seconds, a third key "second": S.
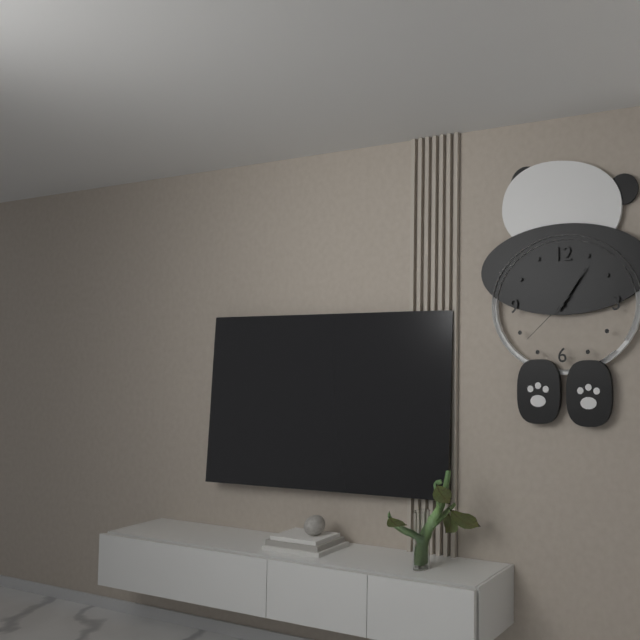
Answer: {"hour": 1, "minute": 6, "second": 38}
